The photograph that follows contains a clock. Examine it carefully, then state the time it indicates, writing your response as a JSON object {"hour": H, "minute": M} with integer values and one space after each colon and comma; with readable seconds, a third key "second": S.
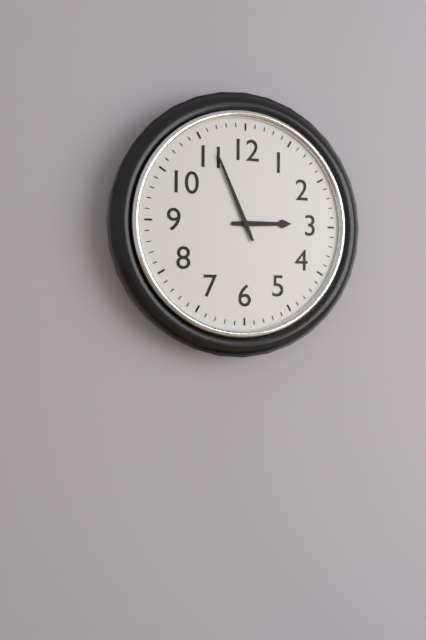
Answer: {"hour": 2, "minute": 56}
